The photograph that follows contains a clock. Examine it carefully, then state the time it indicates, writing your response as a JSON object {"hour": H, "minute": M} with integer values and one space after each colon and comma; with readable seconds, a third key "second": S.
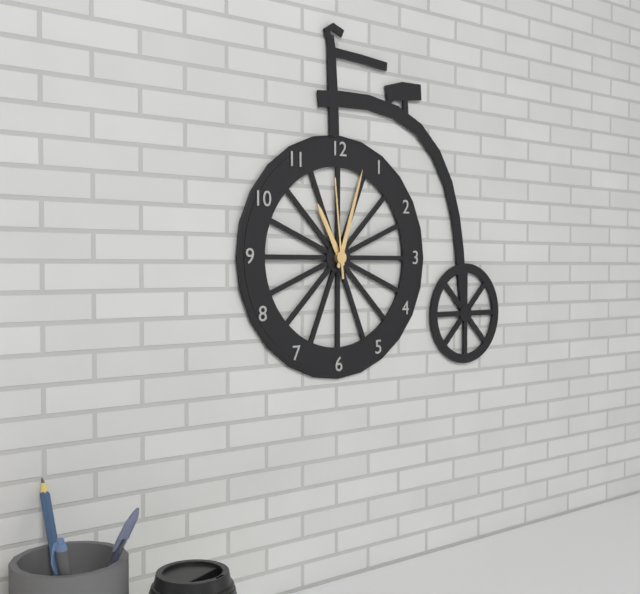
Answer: {"hour": 11, "minute": 3, "second": 59}
